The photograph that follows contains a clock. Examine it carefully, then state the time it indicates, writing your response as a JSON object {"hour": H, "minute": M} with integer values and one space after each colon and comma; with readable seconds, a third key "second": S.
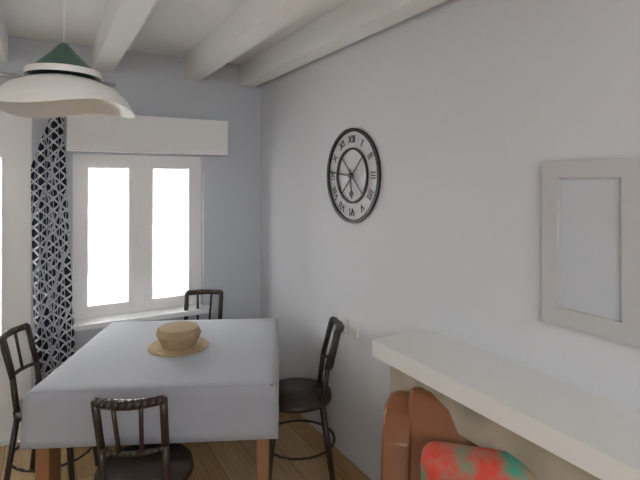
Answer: {"hour": 5, "minute": 46}
